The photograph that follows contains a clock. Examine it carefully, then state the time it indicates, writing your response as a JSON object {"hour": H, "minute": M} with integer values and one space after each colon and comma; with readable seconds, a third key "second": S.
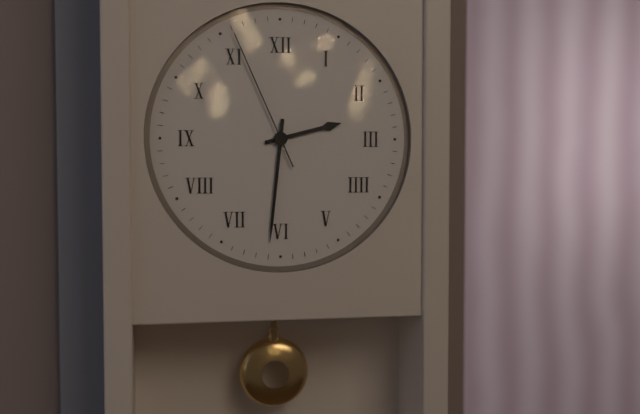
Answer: {"hour": 2, "minute": 31, "second": 56}
